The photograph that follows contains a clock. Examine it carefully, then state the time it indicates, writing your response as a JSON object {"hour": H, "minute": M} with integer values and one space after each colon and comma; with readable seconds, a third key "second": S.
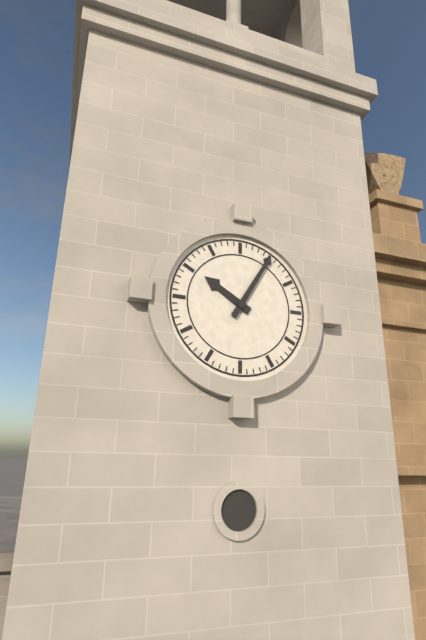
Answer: {"hour": 10, "minute": 5}
